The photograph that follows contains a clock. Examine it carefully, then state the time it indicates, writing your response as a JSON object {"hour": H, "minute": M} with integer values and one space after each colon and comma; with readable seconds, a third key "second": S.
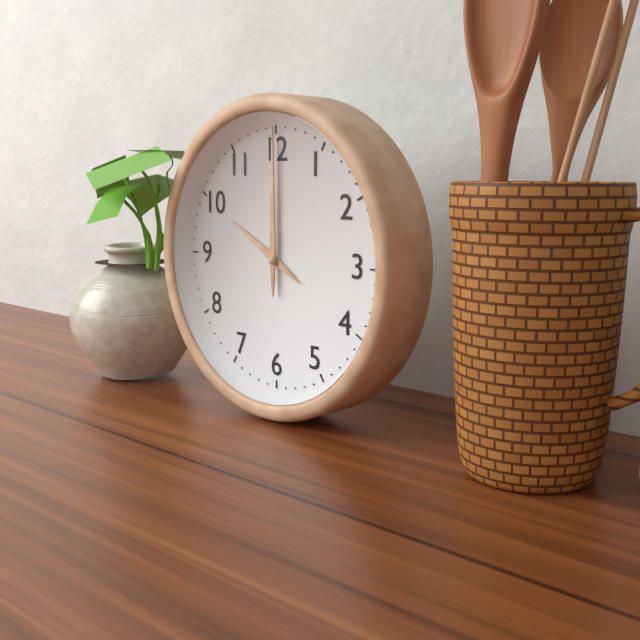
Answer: {"hour": 10, "minute": 0}
